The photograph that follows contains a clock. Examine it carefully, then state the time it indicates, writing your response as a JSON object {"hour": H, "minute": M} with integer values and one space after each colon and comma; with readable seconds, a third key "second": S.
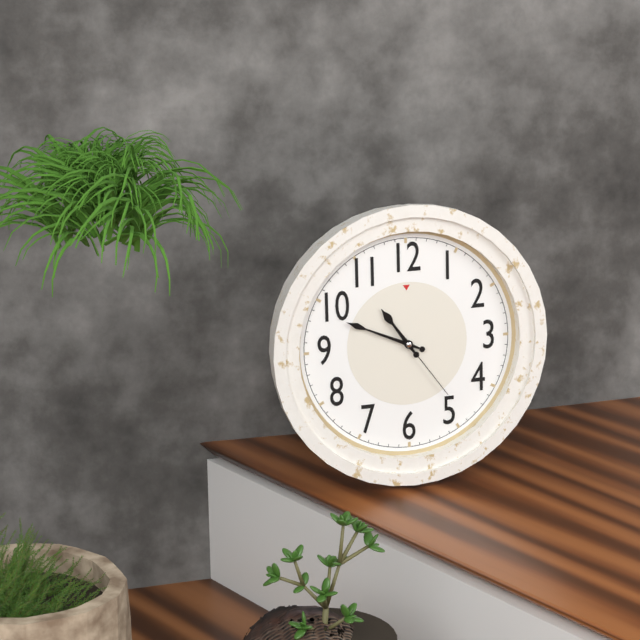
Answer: {"hour": 10, "minute": 49, "second": 24}
